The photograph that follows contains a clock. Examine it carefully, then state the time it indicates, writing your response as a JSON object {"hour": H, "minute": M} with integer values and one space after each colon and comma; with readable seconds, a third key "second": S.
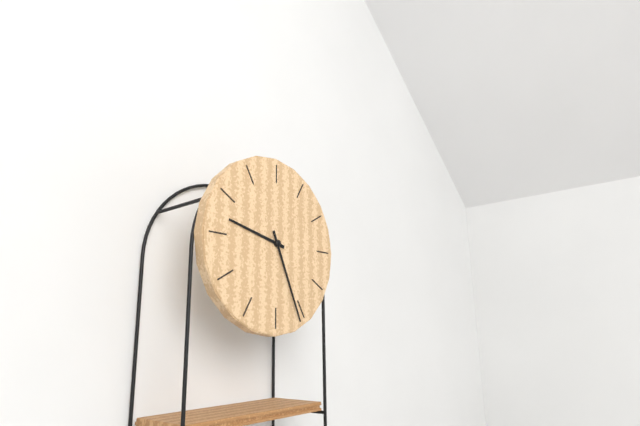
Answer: {"hour": 9, "minute": 26}
